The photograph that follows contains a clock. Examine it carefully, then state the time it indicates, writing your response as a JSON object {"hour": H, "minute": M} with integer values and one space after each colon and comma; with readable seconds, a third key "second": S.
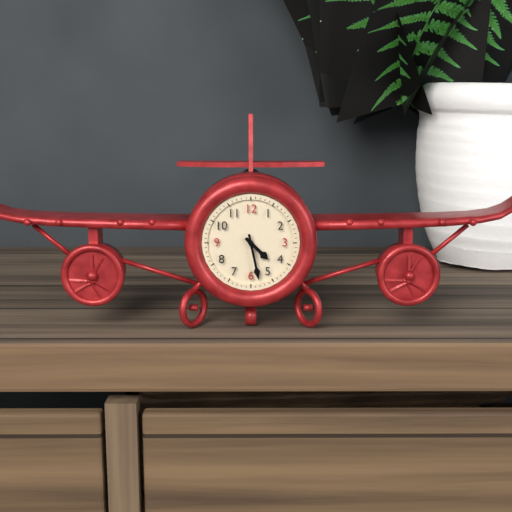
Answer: {"hour": 4, "minute": 28}
